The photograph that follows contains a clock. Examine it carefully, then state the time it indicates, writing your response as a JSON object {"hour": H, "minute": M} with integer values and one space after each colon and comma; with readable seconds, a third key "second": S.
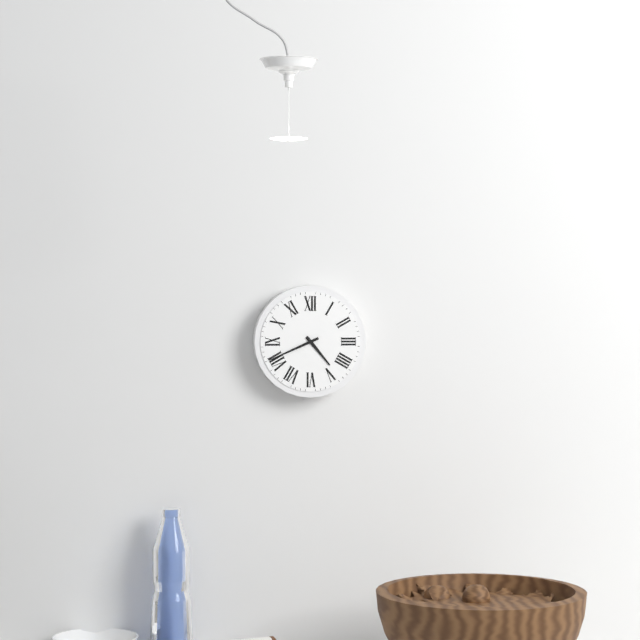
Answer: {"hour": 4, "minute": 41}
